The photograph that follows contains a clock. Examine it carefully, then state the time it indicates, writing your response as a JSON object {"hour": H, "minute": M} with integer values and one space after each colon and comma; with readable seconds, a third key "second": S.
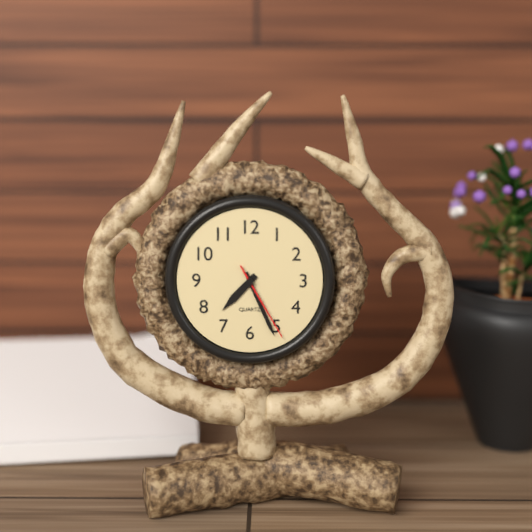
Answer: {"hour": 7, "minute": 26, "second": 25}
